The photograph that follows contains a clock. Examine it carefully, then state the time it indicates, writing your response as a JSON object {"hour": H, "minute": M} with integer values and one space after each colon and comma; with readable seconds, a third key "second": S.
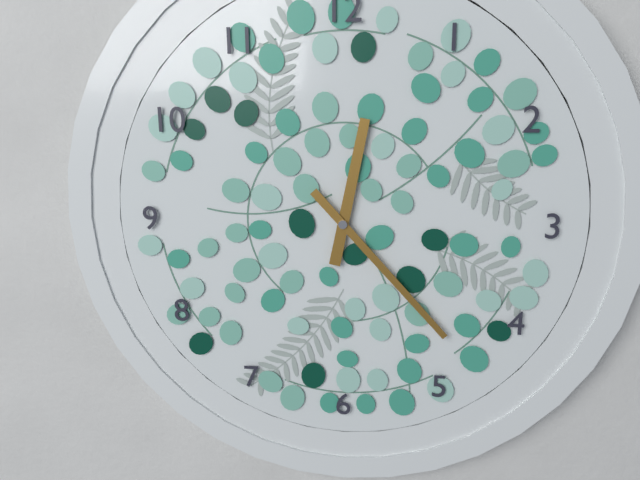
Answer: {"hour": 12, "minute": 23}
